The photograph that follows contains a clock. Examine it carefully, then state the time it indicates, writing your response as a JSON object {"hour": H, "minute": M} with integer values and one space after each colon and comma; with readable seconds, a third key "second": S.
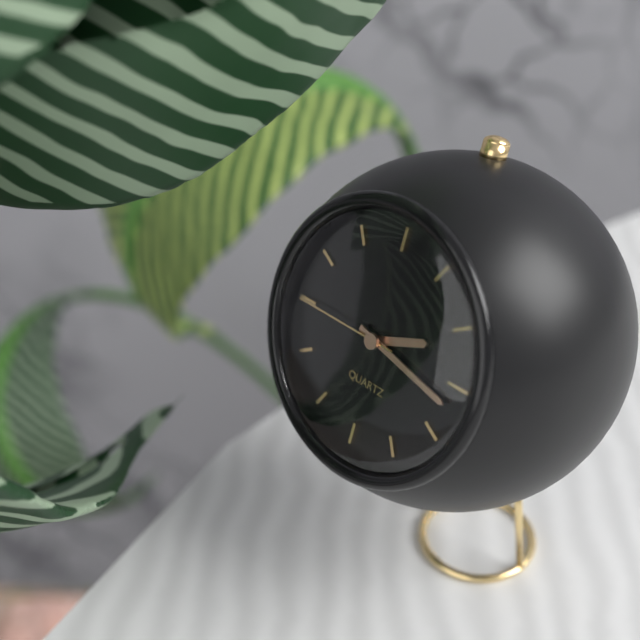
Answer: {"hour": 2, "minute": 17, "second": 45}
